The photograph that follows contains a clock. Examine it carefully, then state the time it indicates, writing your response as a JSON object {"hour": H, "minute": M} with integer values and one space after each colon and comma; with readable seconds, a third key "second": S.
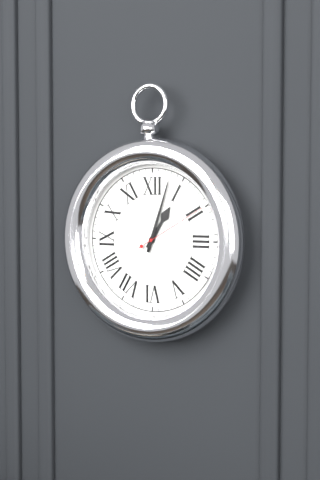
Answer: {"hour": 1, "minute": 3, "second": 10}
